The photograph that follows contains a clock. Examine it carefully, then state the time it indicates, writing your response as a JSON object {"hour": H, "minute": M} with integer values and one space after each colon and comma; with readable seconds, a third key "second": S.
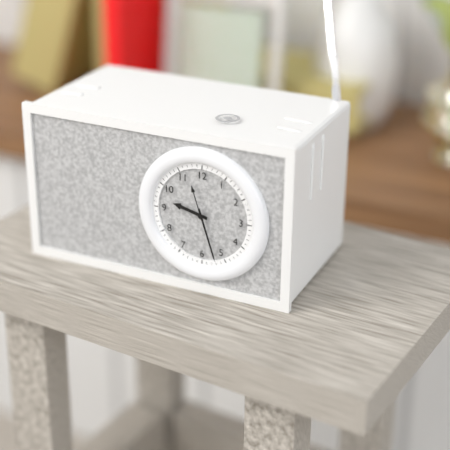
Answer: {"hour": 9, "minute": 27}
